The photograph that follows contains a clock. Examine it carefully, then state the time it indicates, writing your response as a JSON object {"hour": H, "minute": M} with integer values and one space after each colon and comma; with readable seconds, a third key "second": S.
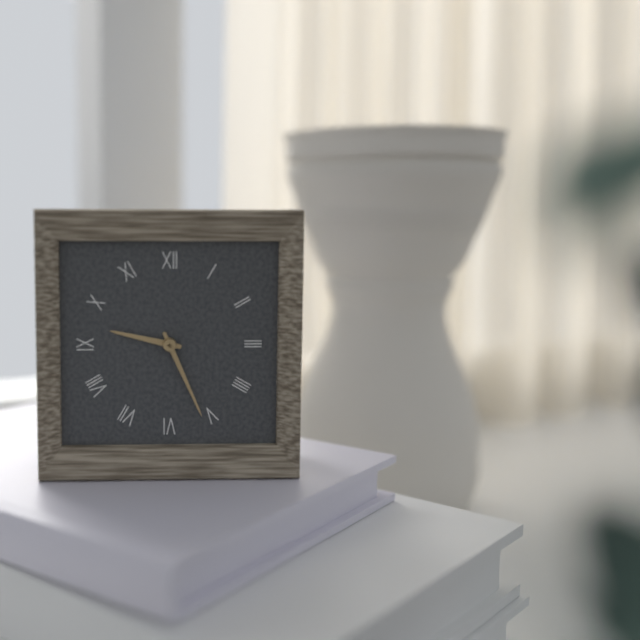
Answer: {"hour": 9, "minute": 26}
